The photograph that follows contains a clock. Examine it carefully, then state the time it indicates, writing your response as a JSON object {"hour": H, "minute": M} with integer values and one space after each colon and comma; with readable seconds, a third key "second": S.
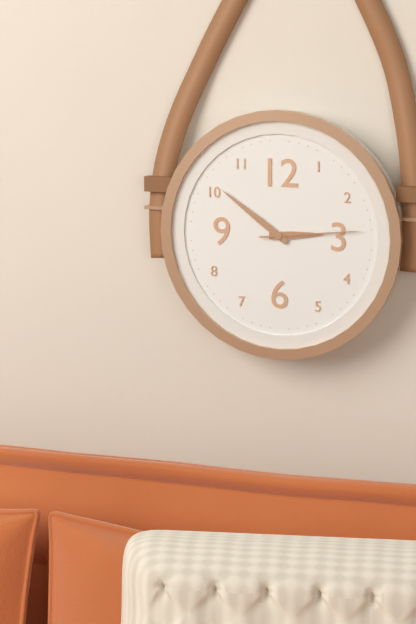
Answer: {"hour": 2, "minute": 51, "second": 14}
